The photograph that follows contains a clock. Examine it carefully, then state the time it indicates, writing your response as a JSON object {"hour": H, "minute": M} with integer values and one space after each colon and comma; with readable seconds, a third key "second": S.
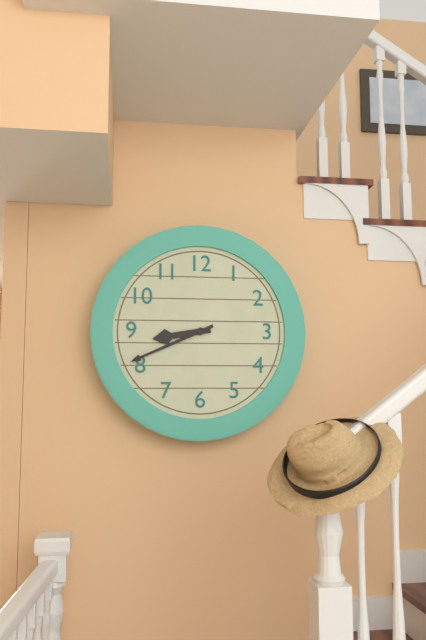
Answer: {"hour": 8, "minute": 41}
